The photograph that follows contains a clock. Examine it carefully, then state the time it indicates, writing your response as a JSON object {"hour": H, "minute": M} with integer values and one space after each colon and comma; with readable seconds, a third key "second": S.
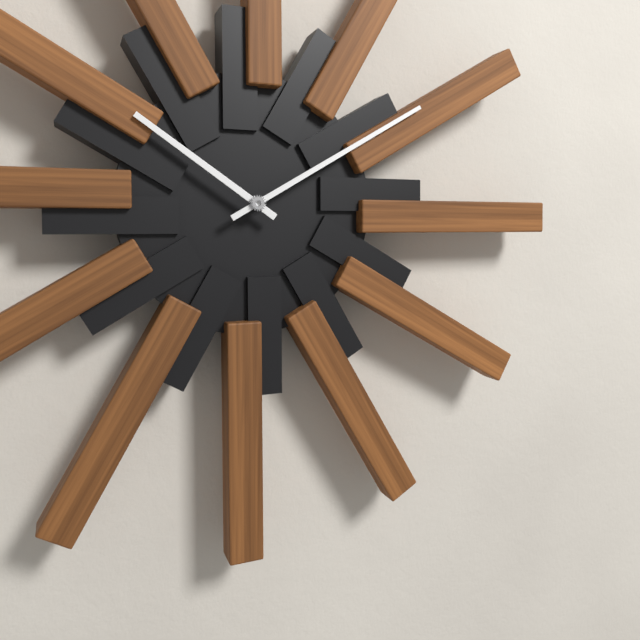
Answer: {"hour": 10, "minute": 10}
